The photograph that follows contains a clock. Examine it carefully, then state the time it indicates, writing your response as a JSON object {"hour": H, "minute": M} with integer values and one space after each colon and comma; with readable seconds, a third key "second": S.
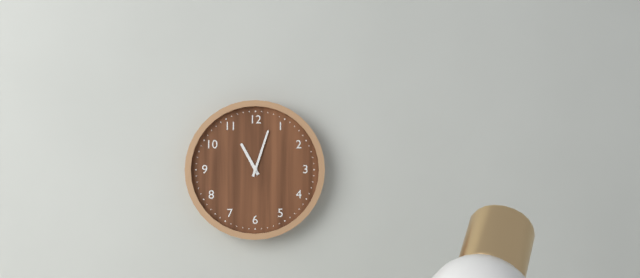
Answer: {"hour": 11, "minute": 3}
